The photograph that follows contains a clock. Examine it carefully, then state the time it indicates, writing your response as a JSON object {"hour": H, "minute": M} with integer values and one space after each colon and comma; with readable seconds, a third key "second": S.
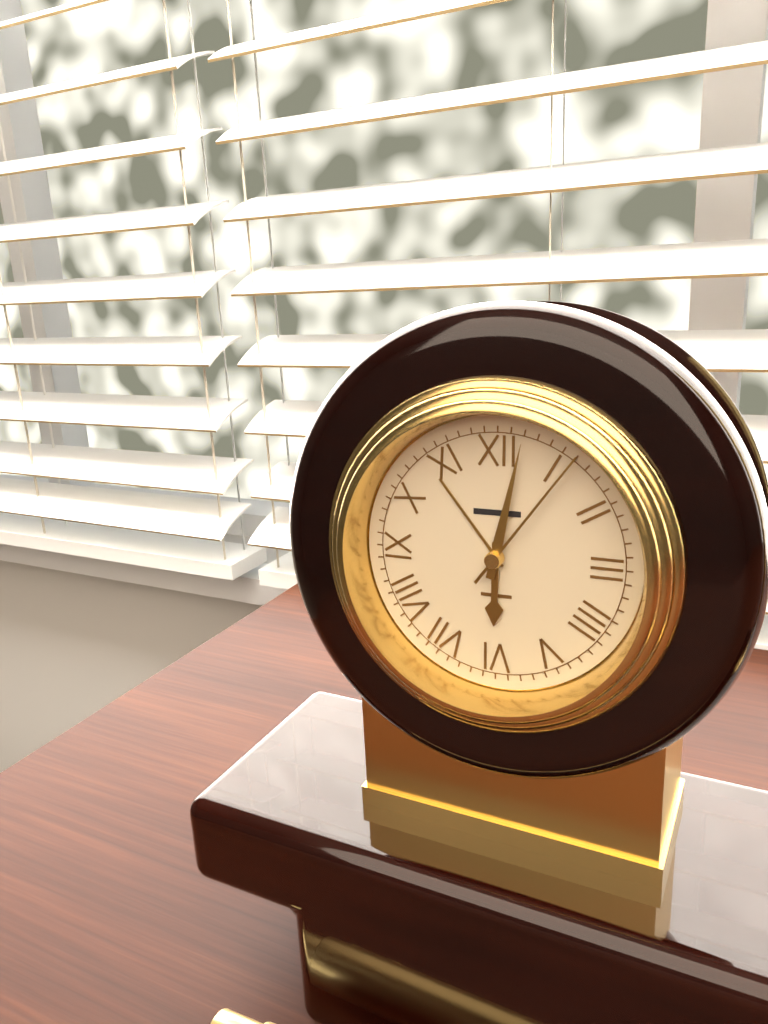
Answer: {"hour": 6, "minute": 2, "second": 6}
